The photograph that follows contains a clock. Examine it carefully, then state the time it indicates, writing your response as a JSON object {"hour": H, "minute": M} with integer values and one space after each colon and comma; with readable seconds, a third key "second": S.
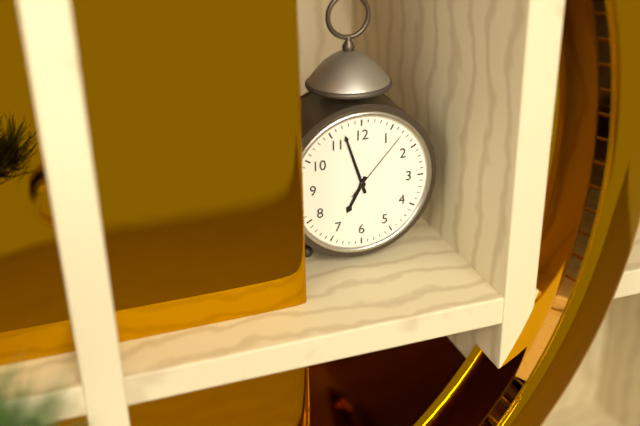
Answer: {"hour": 6, "minute": 57, "second": 7}
